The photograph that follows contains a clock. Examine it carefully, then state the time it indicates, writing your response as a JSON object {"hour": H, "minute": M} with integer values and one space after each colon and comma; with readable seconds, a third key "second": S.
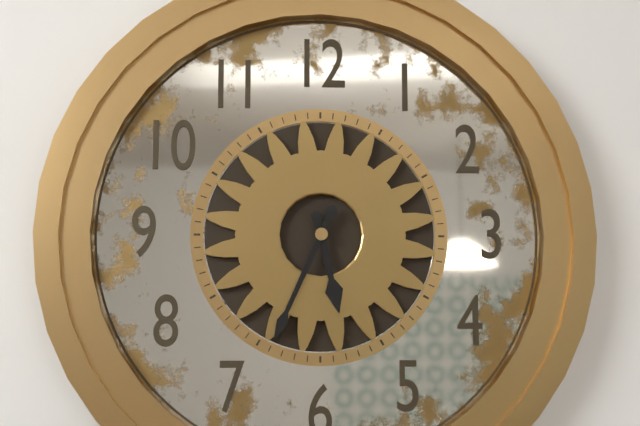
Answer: {"hour": 5, "minute": 34}
